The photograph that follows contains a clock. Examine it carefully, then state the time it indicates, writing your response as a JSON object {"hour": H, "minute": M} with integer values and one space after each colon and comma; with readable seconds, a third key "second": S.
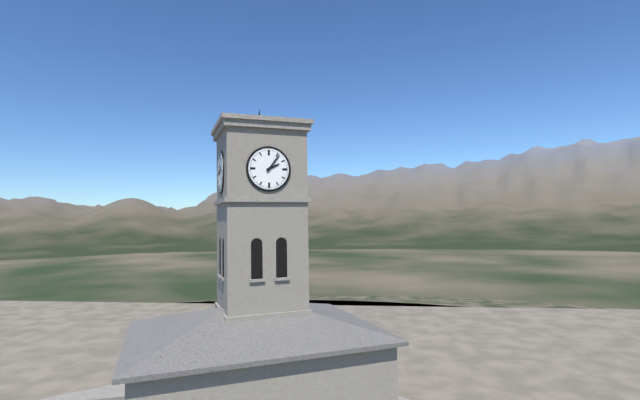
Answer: {"hour": 2, "minute": 6}
